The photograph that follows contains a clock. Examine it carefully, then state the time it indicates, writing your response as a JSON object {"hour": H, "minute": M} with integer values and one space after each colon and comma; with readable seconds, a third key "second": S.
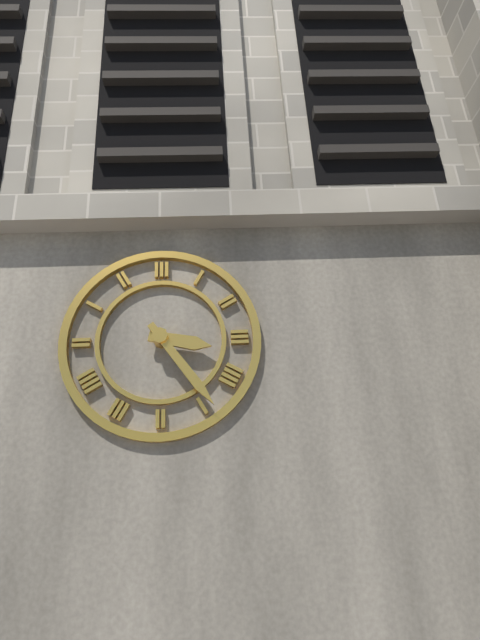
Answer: {"hour": 3, "minute": 24}
